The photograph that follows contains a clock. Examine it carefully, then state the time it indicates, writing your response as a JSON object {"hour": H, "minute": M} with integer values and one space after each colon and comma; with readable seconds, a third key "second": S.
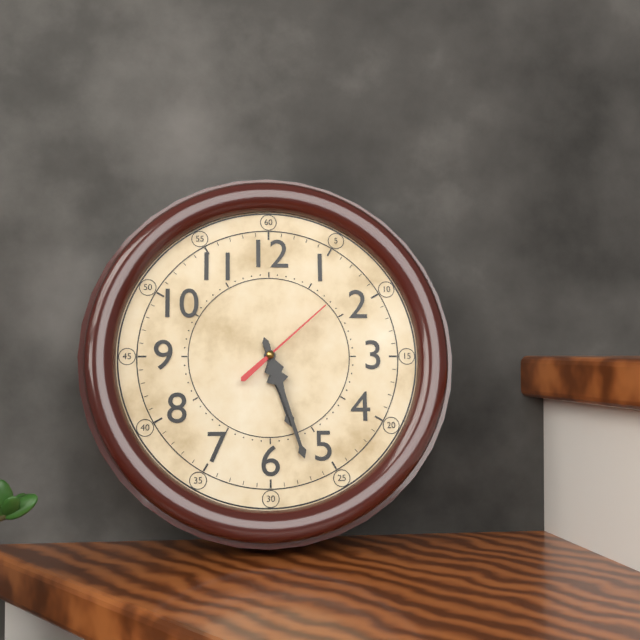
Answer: {"hour": 5, "minute": 27, "second": 8}
